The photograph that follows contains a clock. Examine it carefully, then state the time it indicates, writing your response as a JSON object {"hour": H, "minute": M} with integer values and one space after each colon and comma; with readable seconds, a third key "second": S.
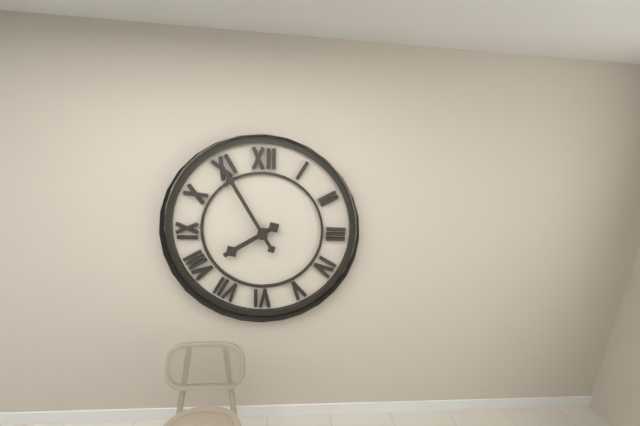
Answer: {"hour": 7, "minute": 55}
